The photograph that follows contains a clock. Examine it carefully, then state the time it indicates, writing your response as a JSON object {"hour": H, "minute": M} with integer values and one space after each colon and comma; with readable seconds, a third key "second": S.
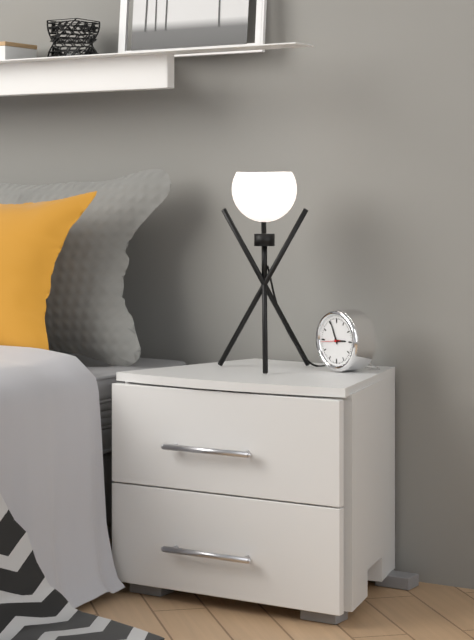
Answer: {"hour": 2, "minute": 56}
